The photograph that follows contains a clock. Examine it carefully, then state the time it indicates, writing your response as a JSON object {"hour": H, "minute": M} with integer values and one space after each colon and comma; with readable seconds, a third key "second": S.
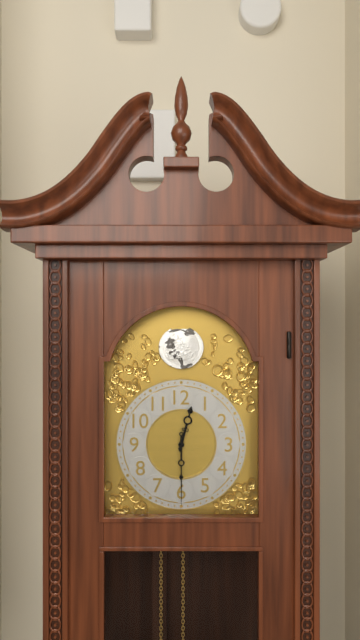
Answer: {"hour": 12, "minute": 30}
